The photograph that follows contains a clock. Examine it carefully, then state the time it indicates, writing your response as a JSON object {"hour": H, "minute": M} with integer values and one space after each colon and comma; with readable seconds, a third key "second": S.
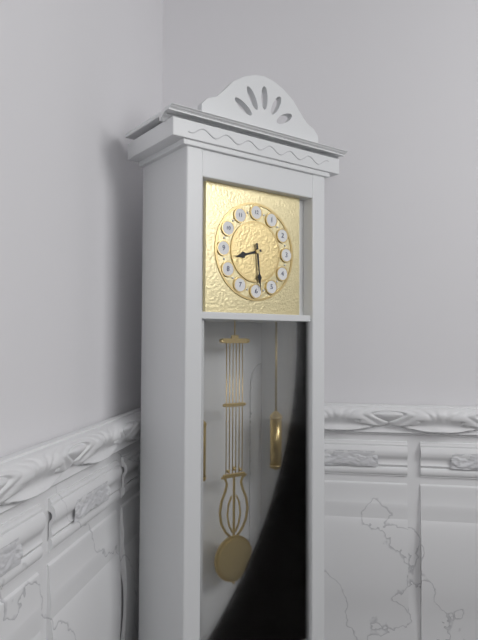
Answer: {"hour": 8, "minute": 29}
